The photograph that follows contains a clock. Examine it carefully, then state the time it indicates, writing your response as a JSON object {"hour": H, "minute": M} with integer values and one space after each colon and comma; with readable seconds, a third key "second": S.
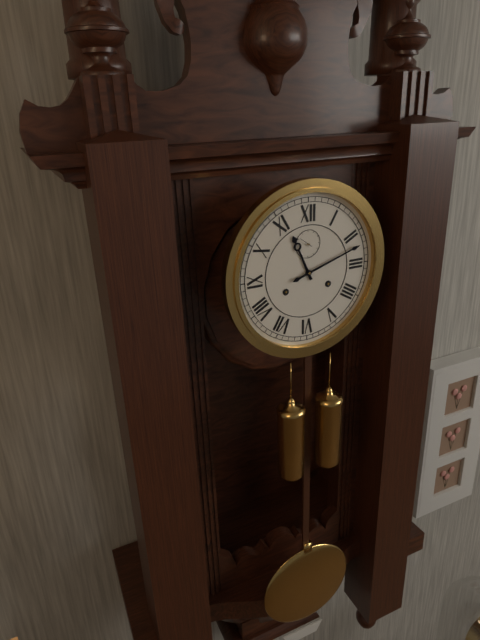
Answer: {"hour": 11, "minute": 12}
